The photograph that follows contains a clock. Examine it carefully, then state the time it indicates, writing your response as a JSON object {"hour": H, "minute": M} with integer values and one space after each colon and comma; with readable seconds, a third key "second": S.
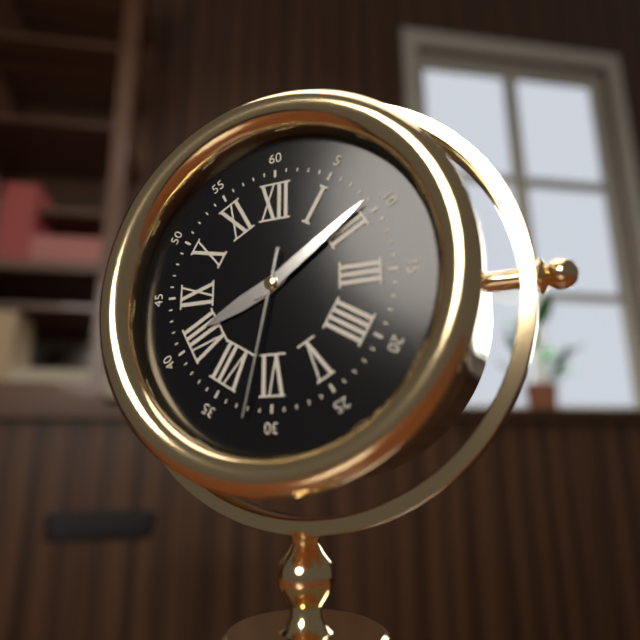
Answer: {"hour": 8, "minute": 9, "second": 32}
